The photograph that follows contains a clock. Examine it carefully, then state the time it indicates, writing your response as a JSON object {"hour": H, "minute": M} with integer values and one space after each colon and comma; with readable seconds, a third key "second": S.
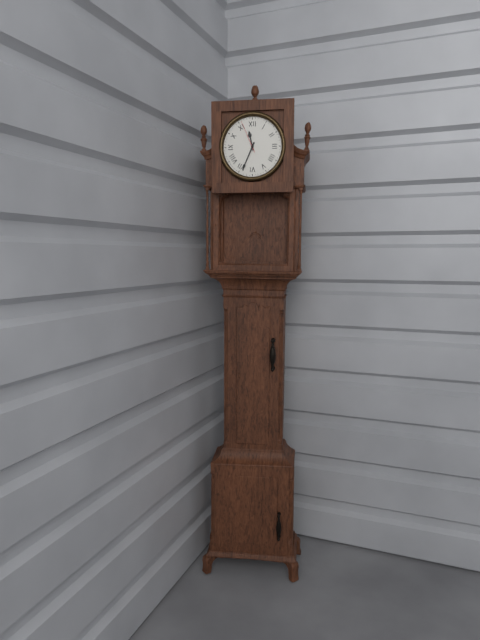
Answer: {"hour": 11, "minute": 34}
